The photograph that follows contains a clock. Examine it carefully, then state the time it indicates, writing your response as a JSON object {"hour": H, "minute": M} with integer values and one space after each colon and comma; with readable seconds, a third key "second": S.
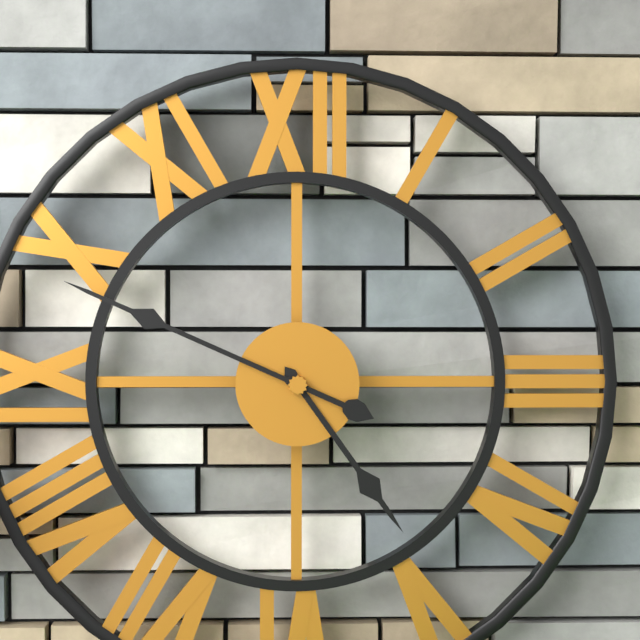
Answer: {"hour": 4, "minute": 49}
